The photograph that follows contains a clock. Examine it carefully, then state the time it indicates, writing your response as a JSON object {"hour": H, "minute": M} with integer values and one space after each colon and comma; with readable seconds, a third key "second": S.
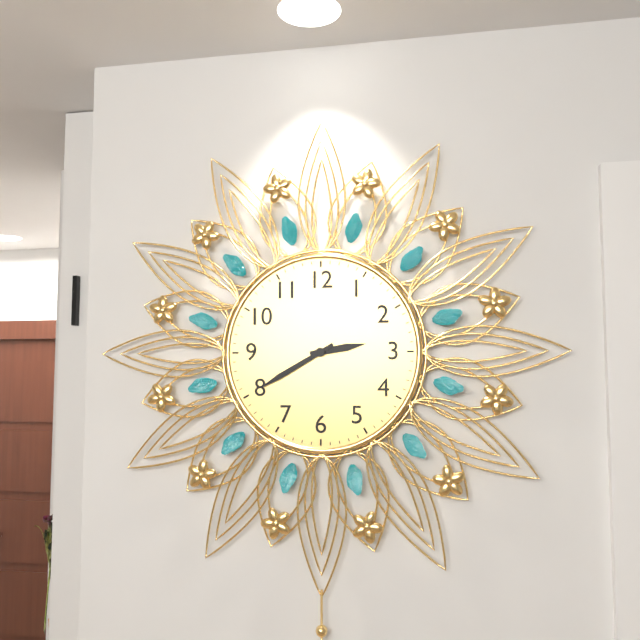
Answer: {"hour": 2, "minute": 40}
